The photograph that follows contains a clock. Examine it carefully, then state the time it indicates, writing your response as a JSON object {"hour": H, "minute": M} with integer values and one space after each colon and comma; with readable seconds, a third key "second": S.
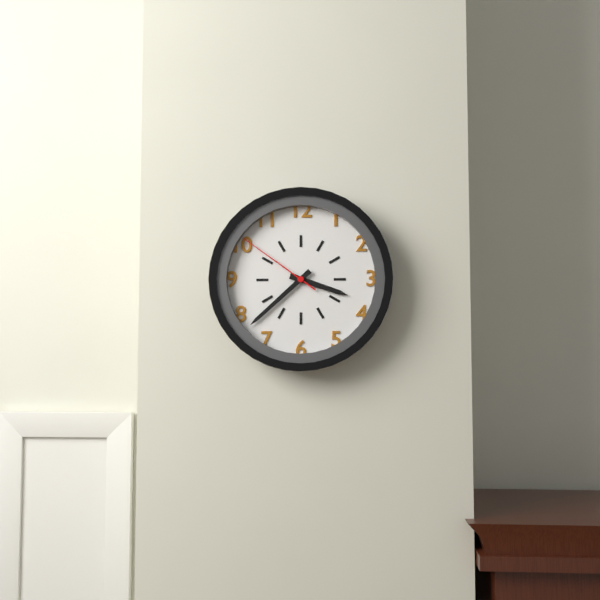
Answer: {"hour": 3, "minute": 38, "second": 51}
